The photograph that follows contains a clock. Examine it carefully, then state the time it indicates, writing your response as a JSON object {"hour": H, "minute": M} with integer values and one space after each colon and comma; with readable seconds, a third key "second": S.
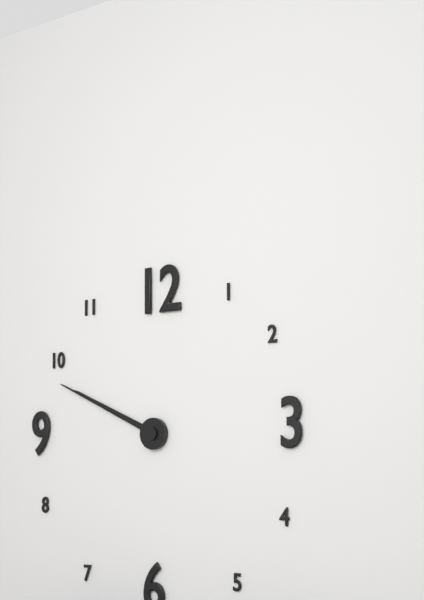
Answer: {"hour": 9, "minute": 49}
